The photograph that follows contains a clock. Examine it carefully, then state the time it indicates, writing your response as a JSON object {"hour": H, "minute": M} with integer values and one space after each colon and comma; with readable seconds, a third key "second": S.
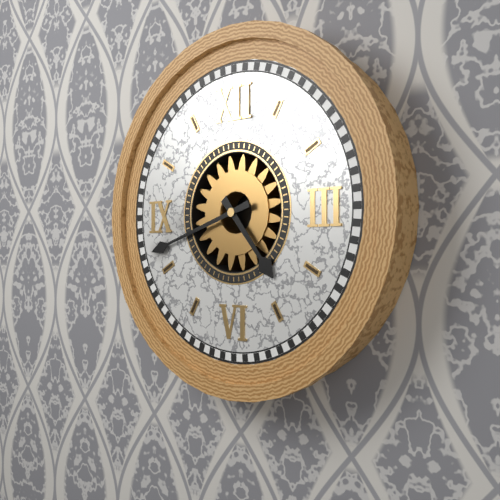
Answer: {"hour": 4, "minute": 42}
